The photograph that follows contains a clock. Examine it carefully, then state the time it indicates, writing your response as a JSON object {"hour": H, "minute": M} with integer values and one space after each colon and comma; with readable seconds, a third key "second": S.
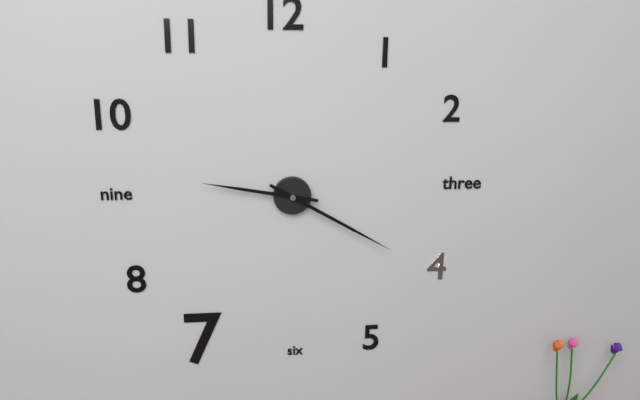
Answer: {"hour": 9, "minute": 20}
